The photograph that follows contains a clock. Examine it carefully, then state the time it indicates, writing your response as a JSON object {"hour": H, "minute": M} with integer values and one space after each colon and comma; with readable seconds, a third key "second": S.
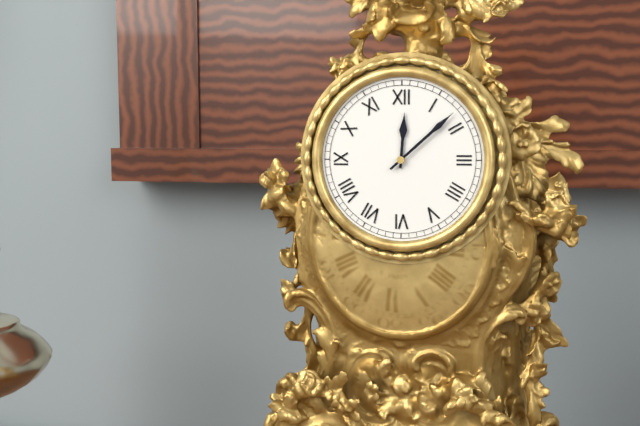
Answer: {"hour": 12, "minute": 8}
